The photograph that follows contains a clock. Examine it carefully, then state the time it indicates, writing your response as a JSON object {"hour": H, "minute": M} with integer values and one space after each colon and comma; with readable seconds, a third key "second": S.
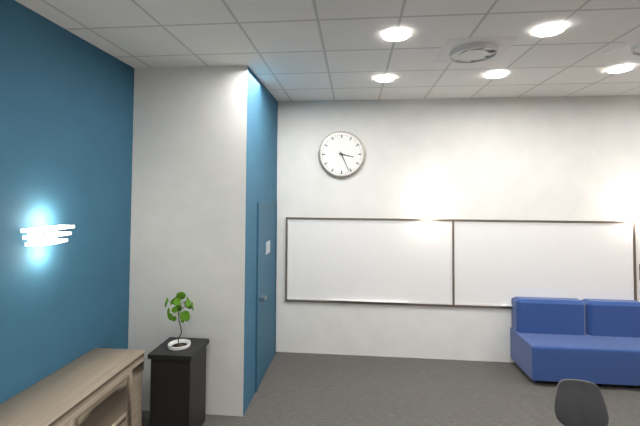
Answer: {"hour": 3, "minute": 26}
